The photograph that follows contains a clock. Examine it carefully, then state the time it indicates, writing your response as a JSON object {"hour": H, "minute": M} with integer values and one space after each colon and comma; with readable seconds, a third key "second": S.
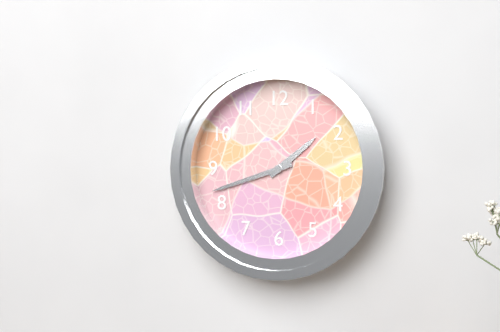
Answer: {"hour": 1, "minute": 42}
